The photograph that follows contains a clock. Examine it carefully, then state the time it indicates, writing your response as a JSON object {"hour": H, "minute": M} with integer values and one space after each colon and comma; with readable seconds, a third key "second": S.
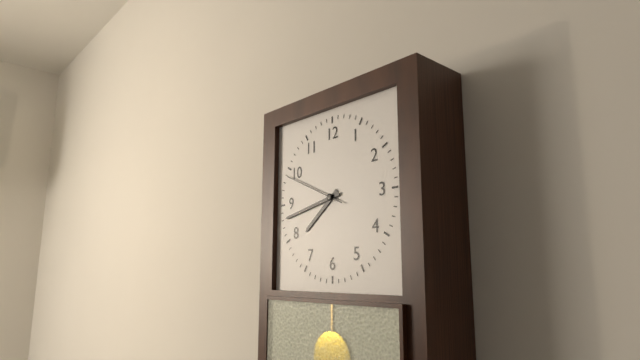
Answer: {"hour": 7, "minute": 43, "second": 49}
